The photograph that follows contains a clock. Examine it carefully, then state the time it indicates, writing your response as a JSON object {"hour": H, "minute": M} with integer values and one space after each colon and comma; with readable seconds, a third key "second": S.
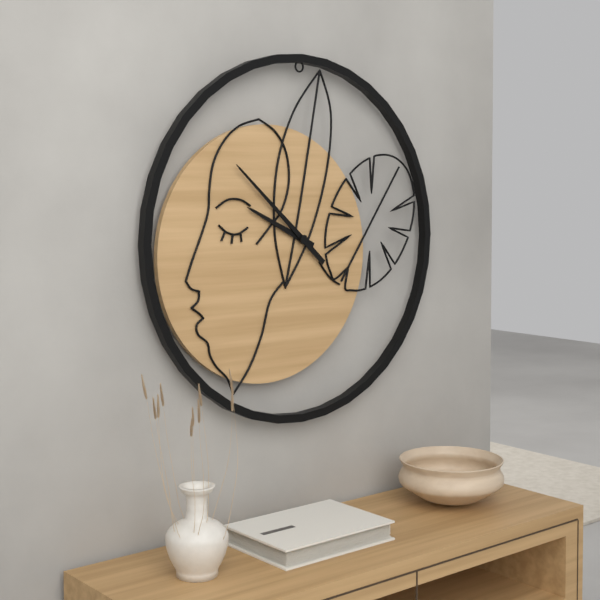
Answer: {"hour": 9, "minute": 52}
